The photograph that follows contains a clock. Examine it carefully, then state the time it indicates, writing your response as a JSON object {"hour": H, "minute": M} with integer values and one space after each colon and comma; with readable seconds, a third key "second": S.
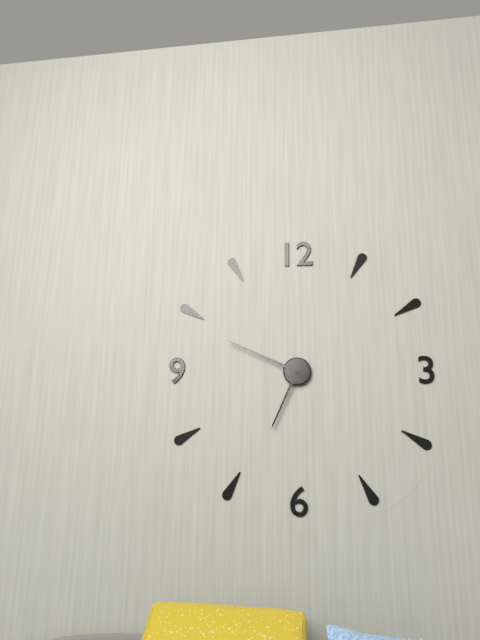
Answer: {"hour": 6, "minute": 49}
